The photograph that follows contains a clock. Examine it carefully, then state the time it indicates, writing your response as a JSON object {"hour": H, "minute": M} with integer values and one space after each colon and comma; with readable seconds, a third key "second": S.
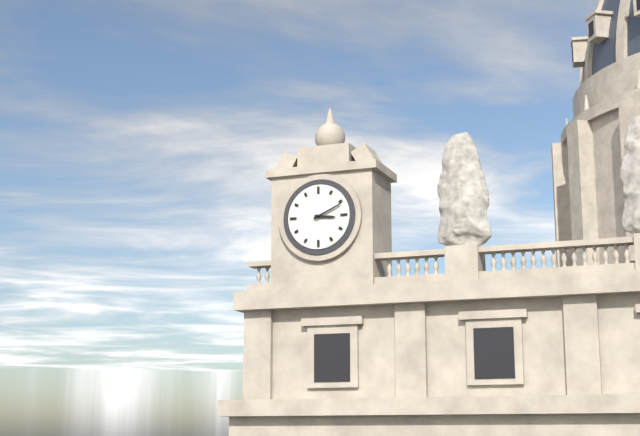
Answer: {"hour": 3, "minute": 11}
